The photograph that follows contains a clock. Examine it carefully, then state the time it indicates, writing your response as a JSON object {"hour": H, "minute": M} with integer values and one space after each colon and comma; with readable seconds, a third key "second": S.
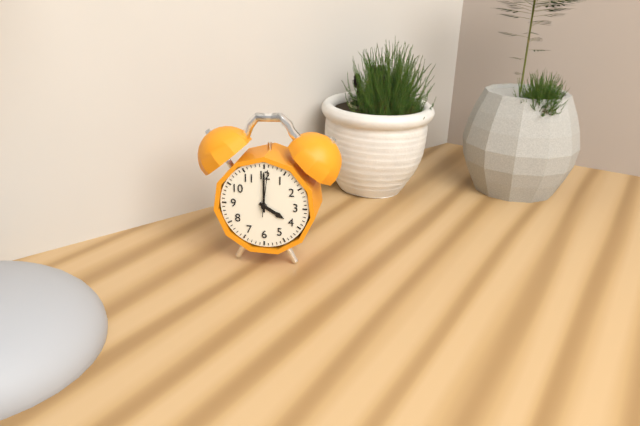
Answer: {"hour": 4, "minute": 0}
